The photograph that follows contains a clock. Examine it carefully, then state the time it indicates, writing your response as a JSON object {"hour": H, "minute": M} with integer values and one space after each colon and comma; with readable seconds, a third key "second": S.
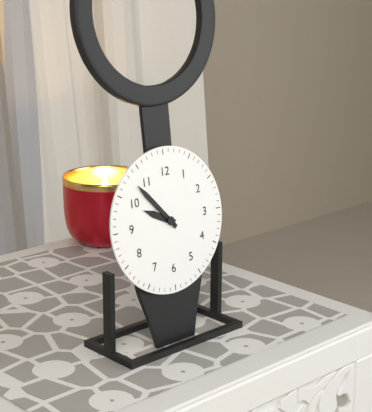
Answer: {"hour": 9, "minute": 53}
